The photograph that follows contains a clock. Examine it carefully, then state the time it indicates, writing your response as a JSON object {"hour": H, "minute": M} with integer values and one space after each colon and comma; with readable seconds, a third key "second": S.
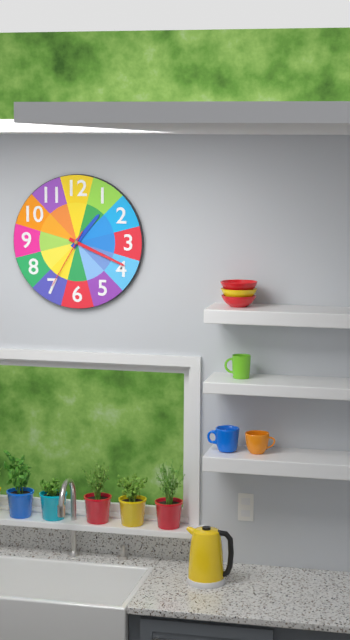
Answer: {"hour": 1, "minute": 19, "second": 35}
